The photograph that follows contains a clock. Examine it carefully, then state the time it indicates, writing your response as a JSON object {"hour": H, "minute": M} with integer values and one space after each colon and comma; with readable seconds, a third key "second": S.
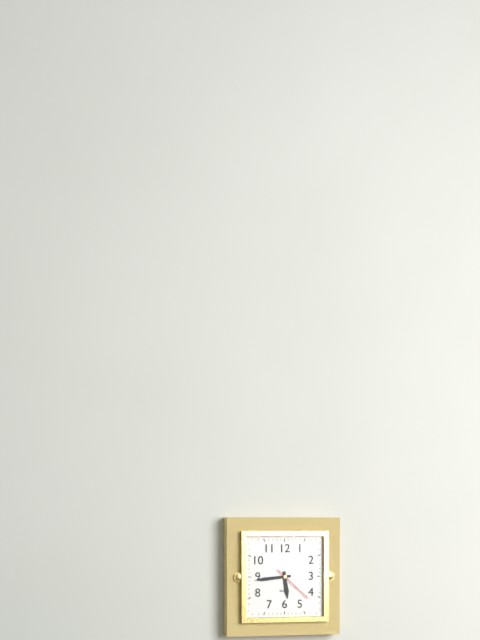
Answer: {"hour": 5, "minute": 44}
